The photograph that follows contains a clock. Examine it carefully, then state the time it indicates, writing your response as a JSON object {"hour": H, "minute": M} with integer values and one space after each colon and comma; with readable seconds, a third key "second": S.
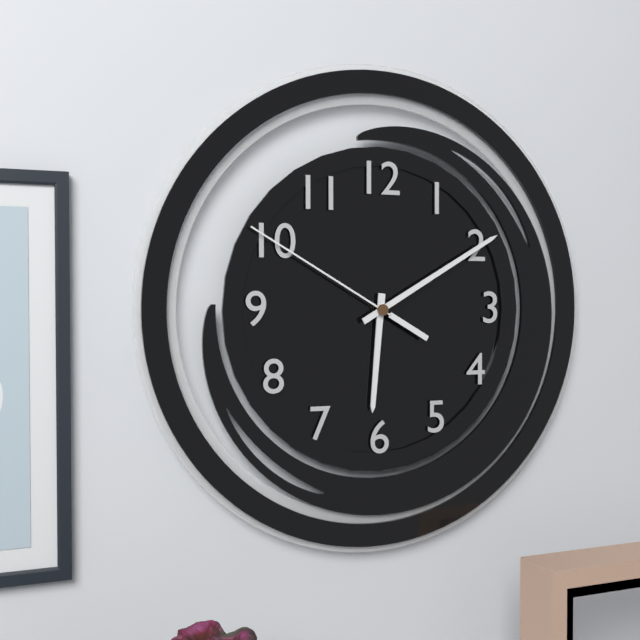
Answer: {"hour": 6, "minute": 10, "second": 50}
